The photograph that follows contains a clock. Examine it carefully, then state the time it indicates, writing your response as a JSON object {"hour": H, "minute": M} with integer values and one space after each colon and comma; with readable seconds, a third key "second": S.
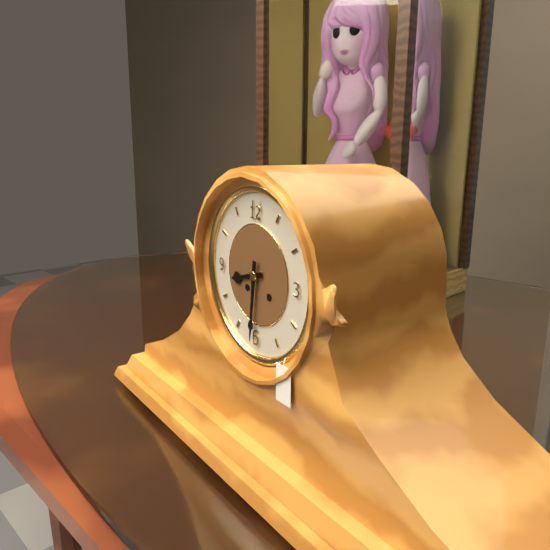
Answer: {"hour": 8, "minute": 31}
